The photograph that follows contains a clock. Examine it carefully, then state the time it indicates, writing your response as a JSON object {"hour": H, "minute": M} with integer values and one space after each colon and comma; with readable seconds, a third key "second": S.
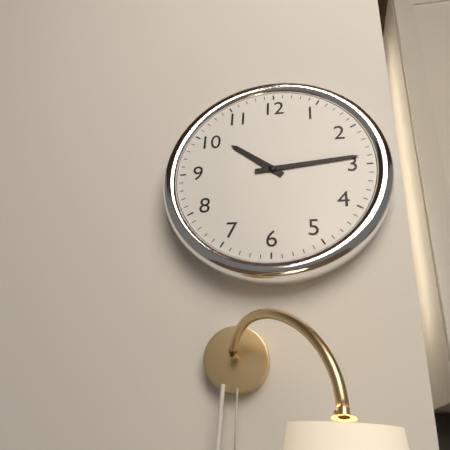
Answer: {"hour": 10, "minute": 14}
